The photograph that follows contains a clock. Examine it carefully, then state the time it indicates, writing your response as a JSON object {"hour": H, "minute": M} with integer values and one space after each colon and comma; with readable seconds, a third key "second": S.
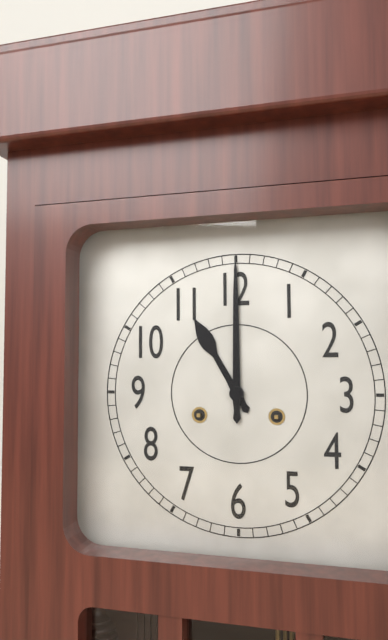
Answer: {"hour": 11, "minute": 0}
